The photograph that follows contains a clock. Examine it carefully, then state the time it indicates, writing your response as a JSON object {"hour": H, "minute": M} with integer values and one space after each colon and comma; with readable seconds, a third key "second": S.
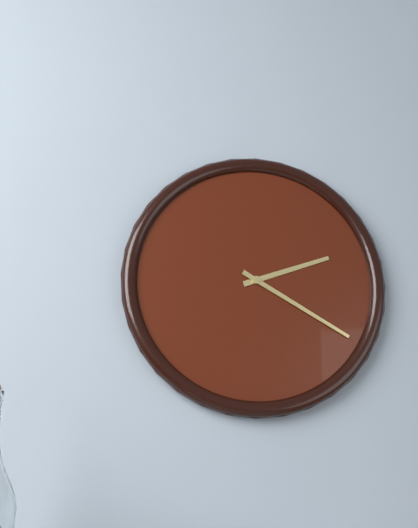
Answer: {"hour": 2, "minute": 20}
